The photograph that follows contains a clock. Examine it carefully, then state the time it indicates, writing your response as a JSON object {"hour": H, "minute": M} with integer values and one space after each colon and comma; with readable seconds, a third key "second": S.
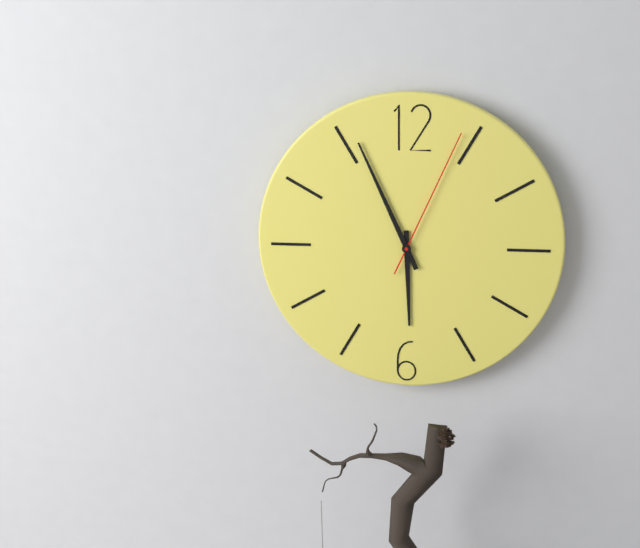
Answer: {"hour": 5, "minute": 56, "second": 4}
